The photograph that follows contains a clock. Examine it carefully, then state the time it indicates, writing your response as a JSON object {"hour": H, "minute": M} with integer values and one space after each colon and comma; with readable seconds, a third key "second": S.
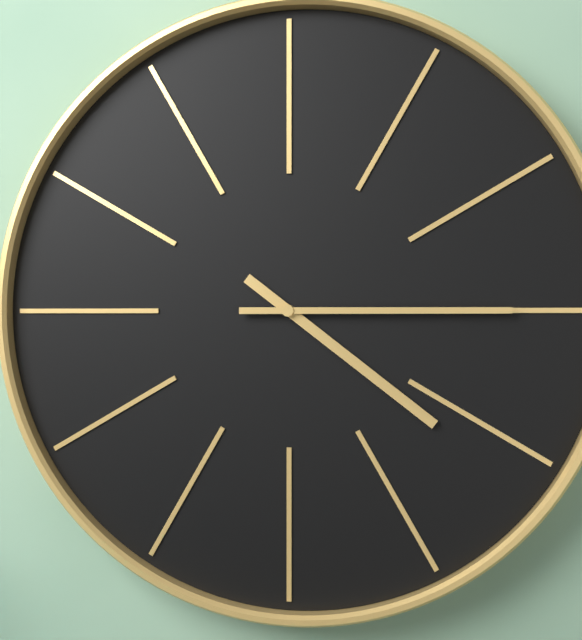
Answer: {"hour": 4, "minute": 15}
